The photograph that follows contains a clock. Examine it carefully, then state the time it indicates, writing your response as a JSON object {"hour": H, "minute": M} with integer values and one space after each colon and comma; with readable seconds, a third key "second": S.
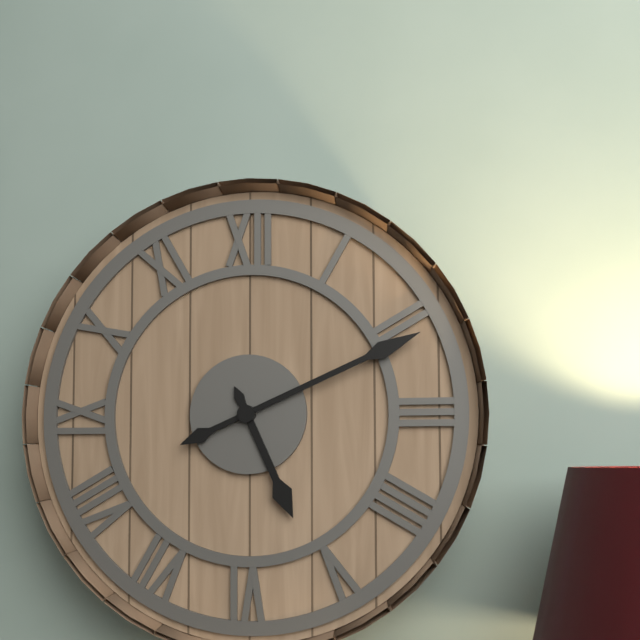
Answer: {"hour": 5, "minute": 11}
